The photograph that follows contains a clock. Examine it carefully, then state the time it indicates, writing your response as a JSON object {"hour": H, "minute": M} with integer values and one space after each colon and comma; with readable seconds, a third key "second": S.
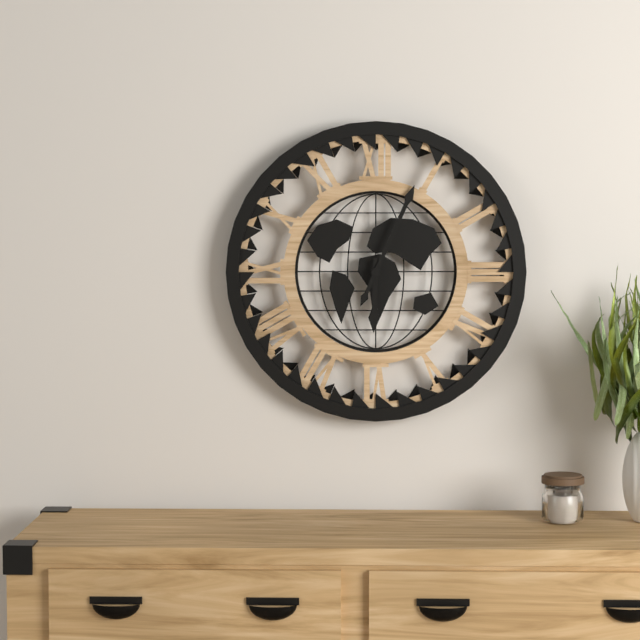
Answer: {"hour": 6, "minute": 4}
